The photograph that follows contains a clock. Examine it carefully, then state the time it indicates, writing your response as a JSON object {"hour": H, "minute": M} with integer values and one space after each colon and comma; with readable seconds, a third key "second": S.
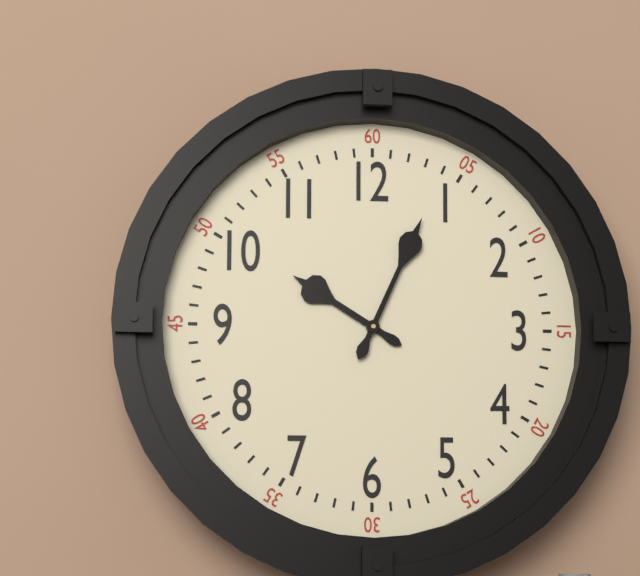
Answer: {"hour": 10, "minute": 4}
